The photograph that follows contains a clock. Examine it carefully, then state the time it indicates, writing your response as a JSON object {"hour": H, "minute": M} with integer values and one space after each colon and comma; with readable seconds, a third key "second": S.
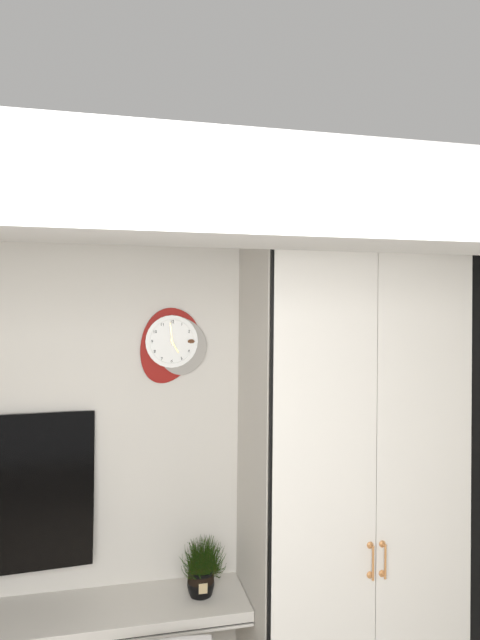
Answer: {"hour": 4, "minute": 59}
